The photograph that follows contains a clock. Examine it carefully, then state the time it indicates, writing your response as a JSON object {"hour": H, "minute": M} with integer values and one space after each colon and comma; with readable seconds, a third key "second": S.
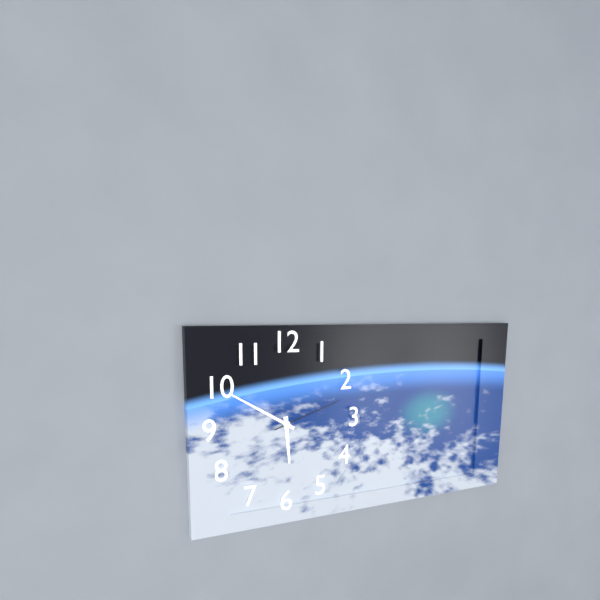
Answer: {"hour": 5, "minute": 50, "second": 12}
